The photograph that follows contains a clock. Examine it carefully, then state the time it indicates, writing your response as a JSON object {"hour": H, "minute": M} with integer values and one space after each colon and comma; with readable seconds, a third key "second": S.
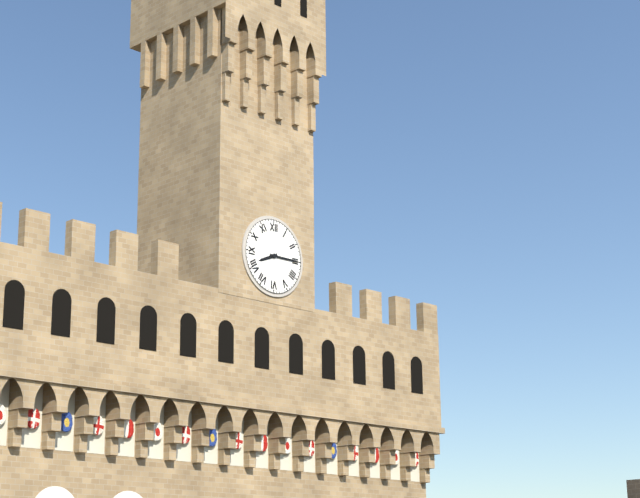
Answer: {"hour": 8, "minute": 15}
